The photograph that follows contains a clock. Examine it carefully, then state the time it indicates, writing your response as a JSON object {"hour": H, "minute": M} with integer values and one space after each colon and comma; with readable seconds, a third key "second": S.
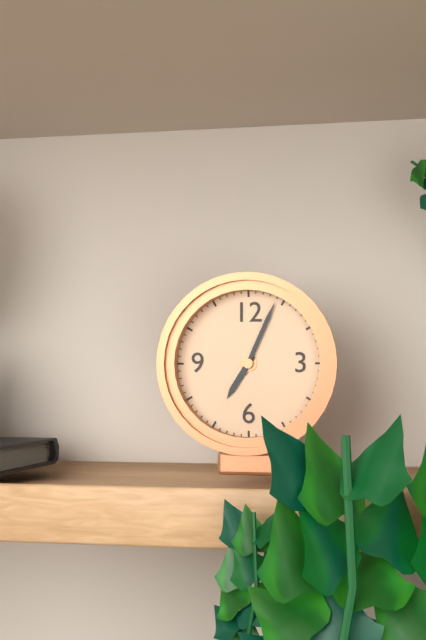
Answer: {"hour": 7, "minute": 4}
